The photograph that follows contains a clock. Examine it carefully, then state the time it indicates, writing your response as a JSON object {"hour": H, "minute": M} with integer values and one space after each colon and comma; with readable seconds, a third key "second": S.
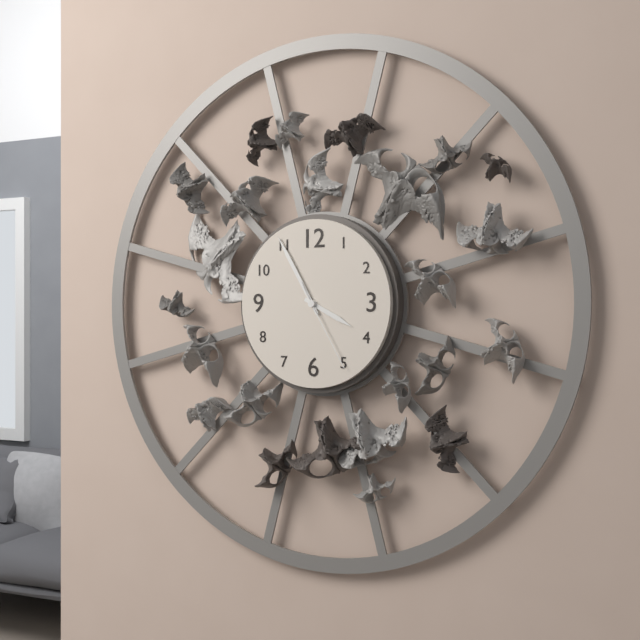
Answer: {"hour": 3, "minute": 55, "second": 25}
